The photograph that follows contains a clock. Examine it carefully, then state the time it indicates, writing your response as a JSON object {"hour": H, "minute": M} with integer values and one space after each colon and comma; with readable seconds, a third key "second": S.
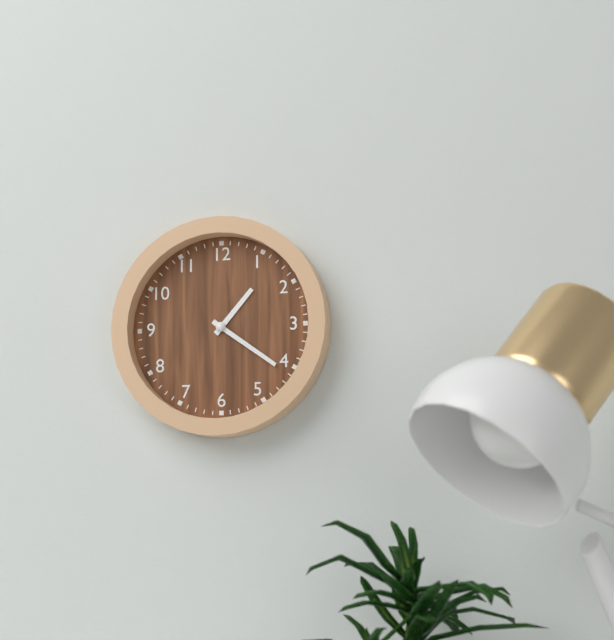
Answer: {"hour": 1, "minute": 21}
